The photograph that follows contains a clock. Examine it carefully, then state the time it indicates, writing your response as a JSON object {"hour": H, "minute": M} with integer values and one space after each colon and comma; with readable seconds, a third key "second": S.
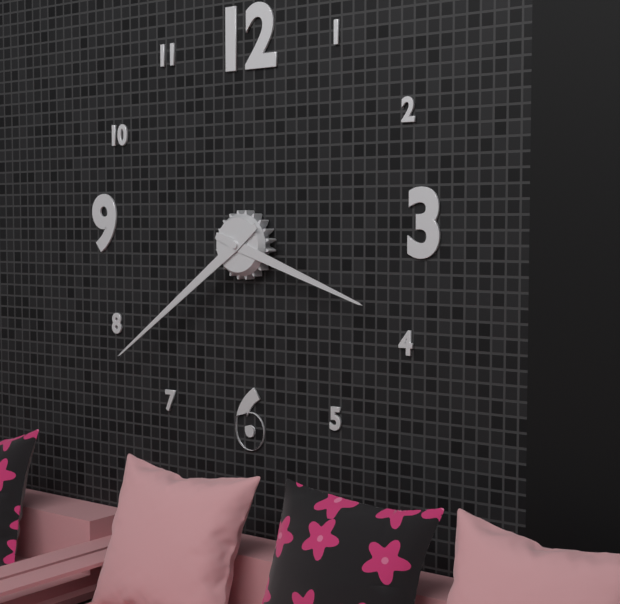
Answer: {"hour": 3, "minute": 39}
